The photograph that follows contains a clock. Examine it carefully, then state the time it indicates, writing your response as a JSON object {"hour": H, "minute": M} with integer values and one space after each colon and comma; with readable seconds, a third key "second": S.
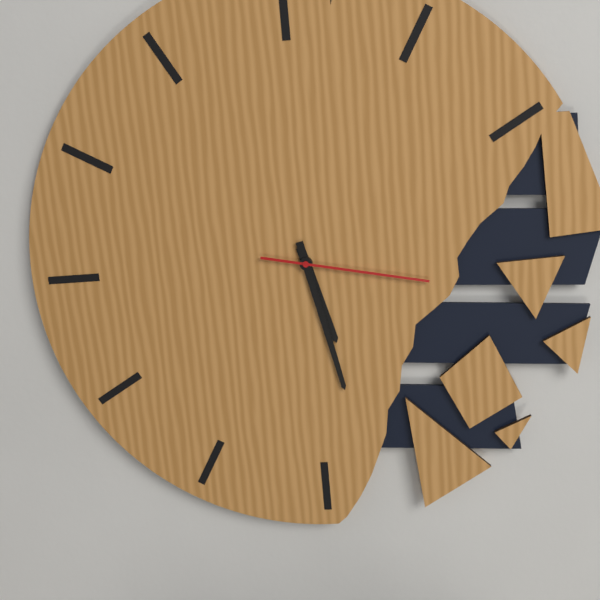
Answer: {"hour": 5, "minute": 28, "second": 17}
